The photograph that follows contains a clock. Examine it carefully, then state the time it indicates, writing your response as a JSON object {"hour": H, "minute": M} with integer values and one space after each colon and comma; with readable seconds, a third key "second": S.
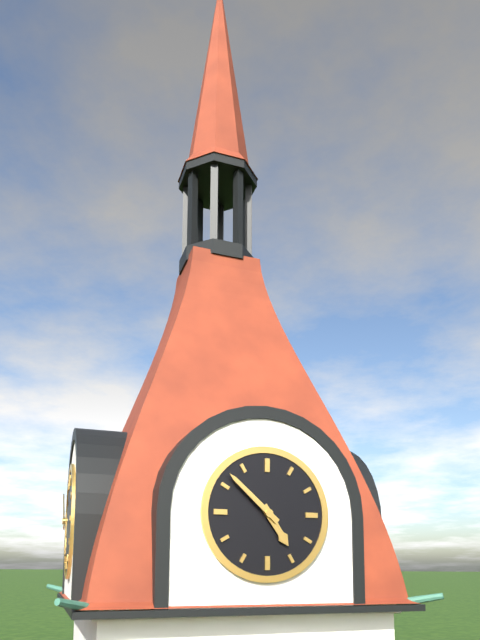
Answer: {"hour": 4, "minute": 52}
